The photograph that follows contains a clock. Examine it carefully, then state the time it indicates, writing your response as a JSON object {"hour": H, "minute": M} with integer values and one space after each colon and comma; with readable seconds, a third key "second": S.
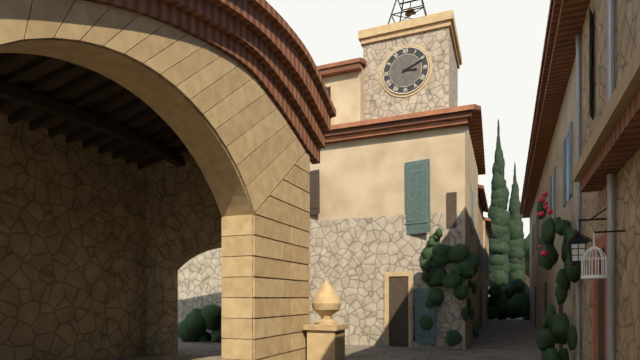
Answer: {"hour": 3, "minute": 11}
